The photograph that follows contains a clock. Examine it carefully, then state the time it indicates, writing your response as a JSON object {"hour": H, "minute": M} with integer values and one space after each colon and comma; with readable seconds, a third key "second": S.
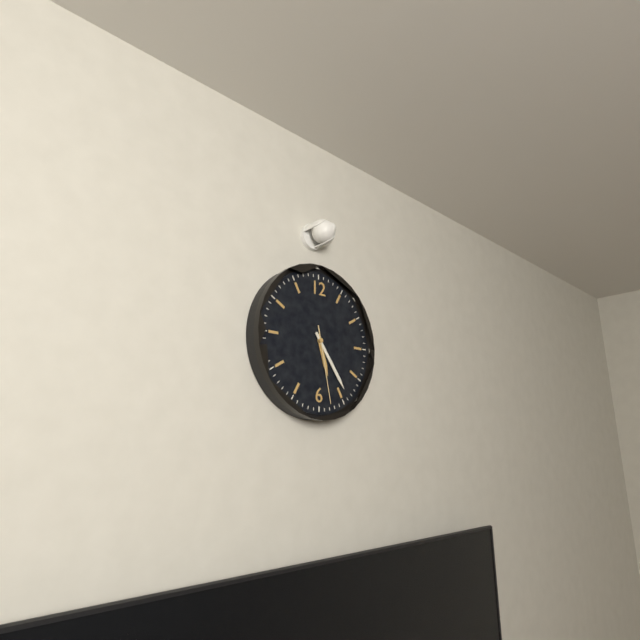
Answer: {"hour": 5, "minute": 24, "second": 28}
